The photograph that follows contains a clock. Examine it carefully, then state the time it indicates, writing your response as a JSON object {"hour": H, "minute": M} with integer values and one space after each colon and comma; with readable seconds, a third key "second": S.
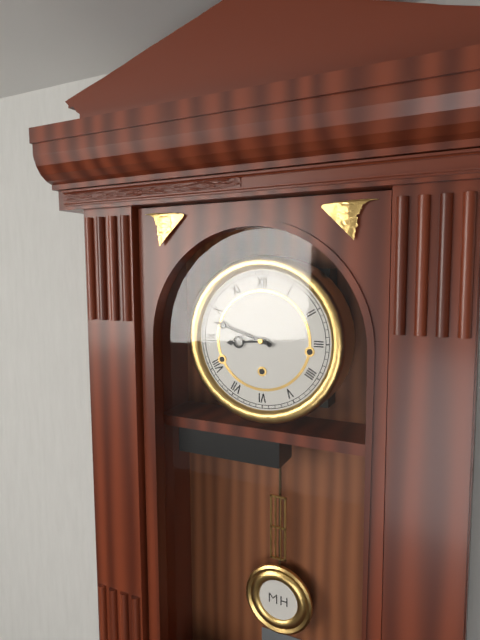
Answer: {"hour": 8, "minute": 48}
